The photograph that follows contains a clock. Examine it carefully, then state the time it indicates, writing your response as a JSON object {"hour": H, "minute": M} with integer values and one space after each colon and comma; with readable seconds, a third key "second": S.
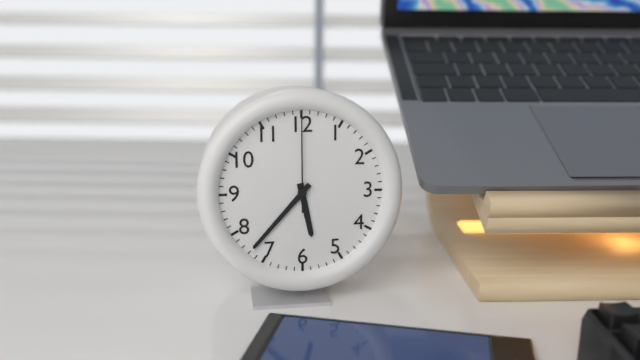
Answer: {"hour": 5, "minute": 37, "second": 0}
